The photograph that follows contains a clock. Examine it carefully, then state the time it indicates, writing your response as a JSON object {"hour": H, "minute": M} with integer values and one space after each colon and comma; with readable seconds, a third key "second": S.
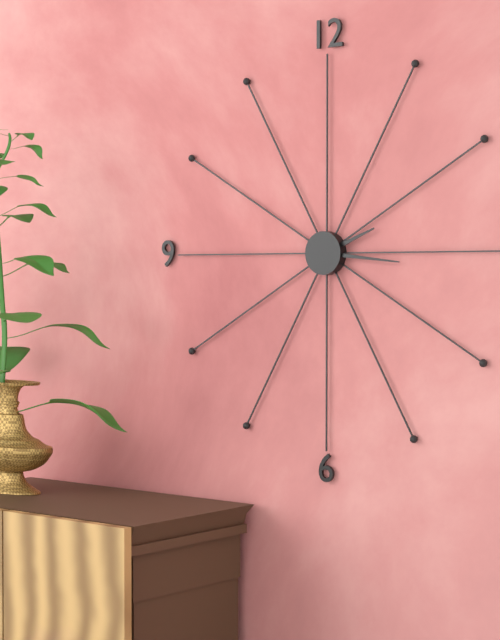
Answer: {"hour": 2, "minute": 16}
